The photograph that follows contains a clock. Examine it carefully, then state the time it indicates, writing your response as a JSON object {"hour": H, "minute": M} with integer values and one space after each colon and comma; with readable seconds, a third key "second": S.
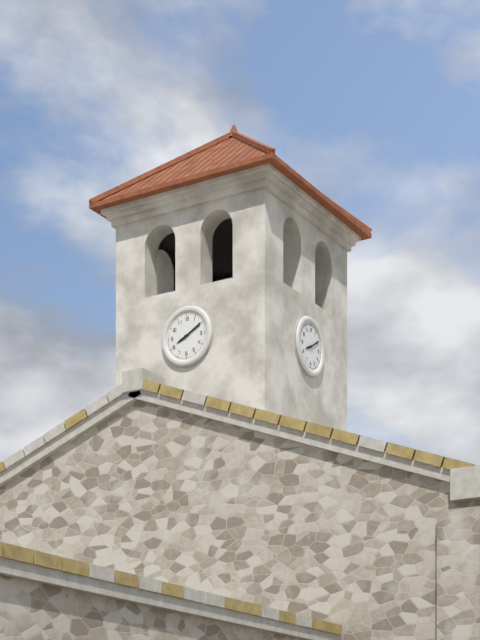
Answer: {"hour": 8, "minute": 10}
